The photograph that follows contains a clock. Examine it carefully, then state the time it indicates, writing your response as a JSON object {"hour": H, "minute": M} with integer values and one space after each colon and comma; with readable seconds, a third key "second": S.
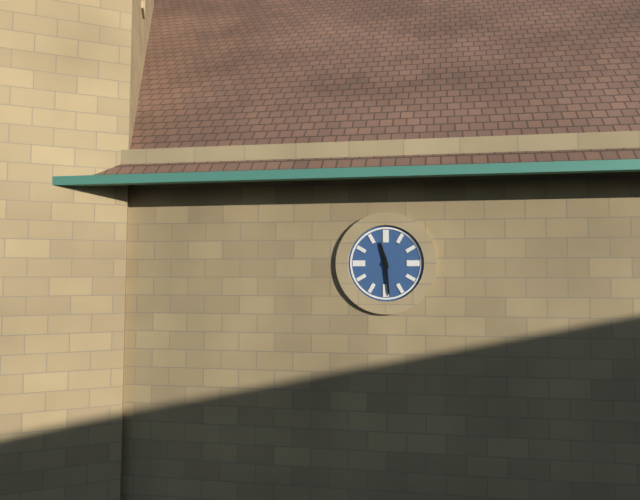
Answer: {"hour": 11, "minute": 29}
